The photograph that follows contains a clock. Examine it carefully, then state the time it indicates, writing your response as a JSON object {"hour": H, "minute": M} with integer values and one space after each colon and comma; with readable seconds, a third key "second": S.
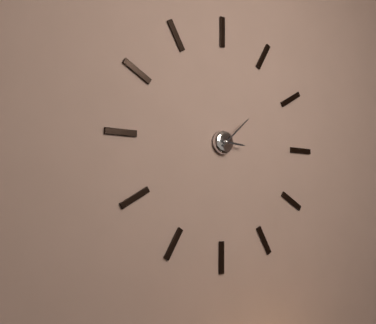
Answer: {"hour": 3, "minute": 8}
